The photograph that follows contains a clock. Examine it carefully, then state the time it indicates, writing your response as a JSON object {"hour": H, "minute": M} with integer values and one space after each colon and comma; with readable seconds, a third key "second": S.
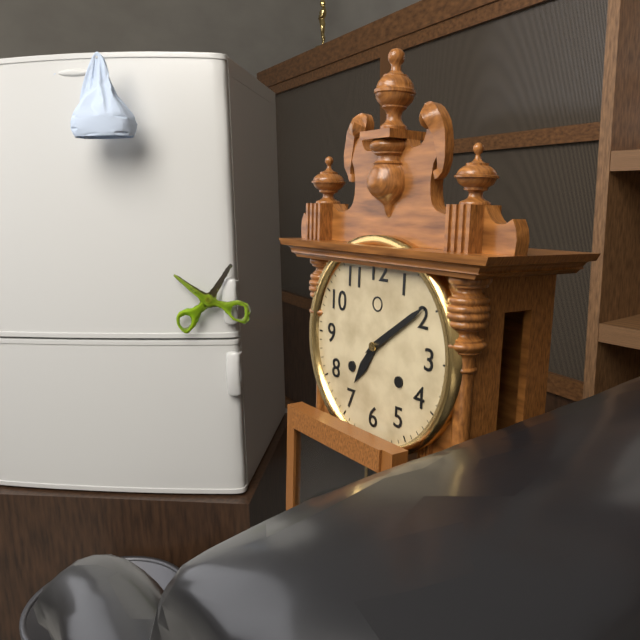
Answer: {"hour": 7, "minute": 9}
